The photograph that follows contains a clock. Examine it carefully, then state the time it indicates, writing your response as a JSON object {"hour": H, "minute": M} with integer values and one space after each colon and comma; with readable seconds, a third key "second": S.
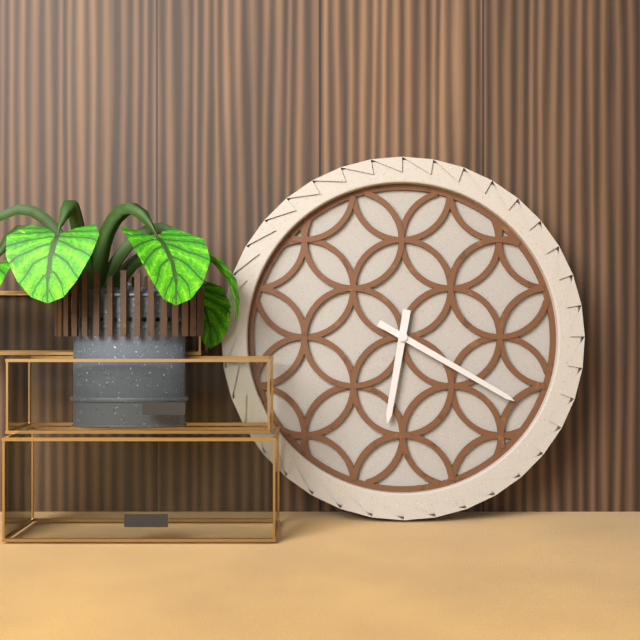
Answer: {"hour": 6, "minute": 20}
